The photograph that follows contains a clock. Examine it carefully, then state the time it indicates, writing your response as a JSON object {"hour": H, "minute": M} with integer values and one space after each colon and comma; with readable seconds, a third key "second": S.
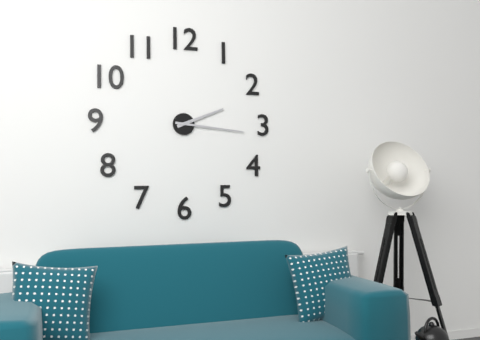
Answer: {"hour": 2, "minute": 16}
